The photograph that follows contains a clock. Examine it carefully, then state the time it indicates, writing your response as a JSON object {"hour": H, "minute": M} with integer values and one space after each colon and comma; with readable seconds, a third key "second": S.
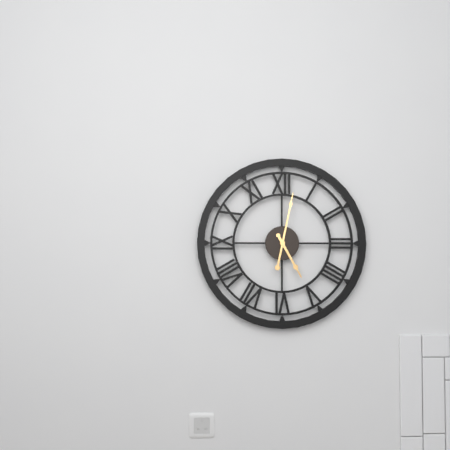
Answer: {"hour": 5, "minute": 2}
